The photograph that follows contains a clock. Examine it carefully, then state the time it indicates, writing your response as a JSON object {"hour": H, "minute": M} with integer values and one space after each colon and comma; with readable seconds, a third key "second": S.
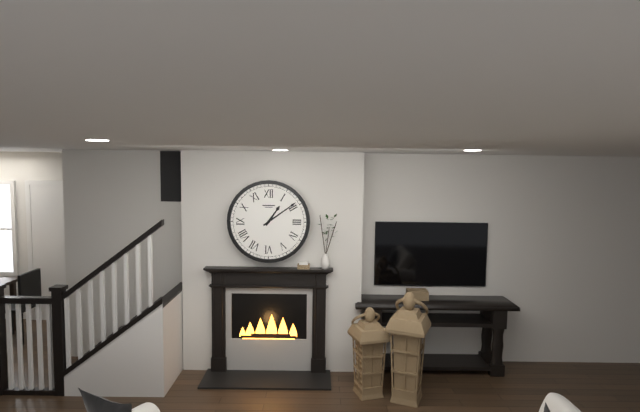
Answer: {"hour": 1, "minute": 9}
